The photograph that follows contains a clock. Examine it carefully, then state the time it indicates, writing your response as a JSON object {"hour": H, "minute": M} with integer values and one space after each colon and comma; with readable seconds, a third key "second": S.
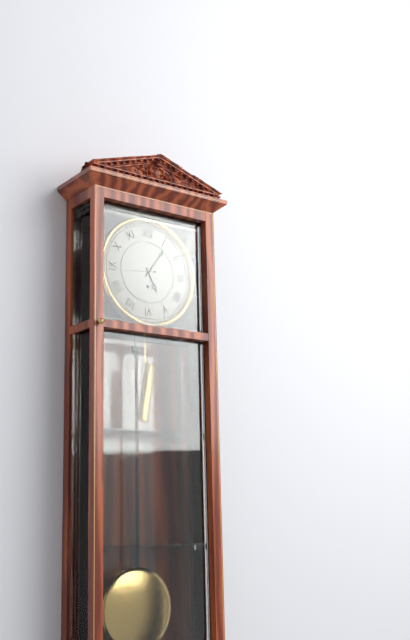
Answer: {"hour": 5, "minute": 6}
